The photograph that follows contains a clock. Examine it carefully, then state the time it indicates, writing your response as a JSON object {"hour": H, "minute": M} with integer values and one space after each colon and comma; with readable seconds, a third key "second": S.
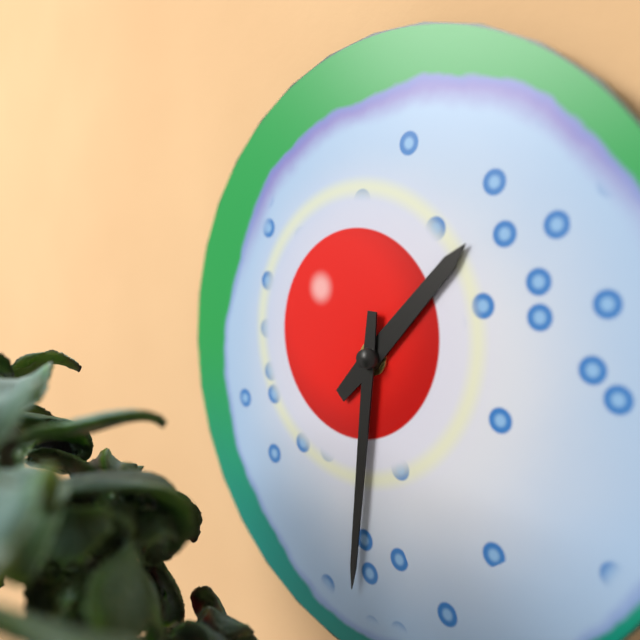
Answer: {"hour": 1, "minute": 31}
